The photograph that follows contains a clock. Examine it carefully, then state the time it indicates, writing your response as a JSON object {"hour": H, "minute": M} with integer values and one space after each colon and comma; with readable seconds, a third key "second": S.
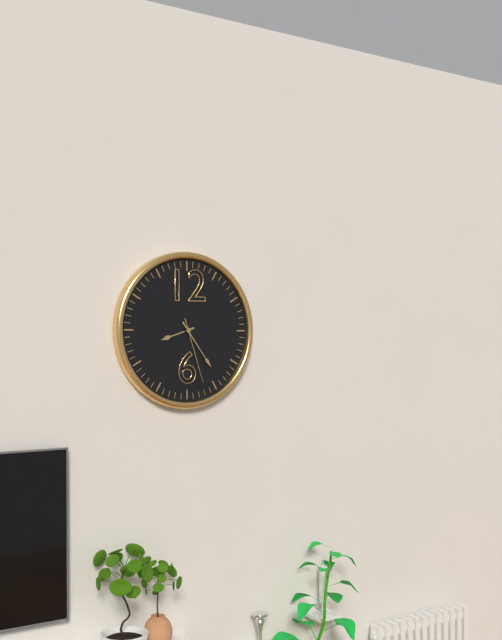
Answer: {"hour": 8, "minute": 24, "second": 27}
